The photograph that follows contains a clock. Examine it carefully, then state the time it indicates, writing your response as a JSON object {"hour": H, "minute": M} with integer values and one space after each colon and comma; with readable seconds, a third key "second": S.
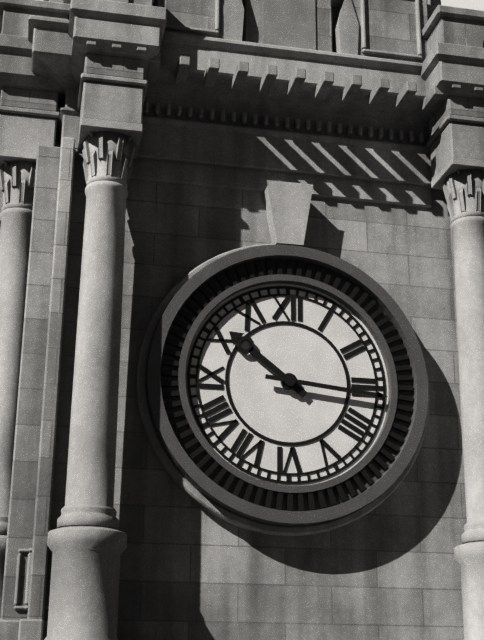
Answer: {"hour": 10, "minute": 16}
